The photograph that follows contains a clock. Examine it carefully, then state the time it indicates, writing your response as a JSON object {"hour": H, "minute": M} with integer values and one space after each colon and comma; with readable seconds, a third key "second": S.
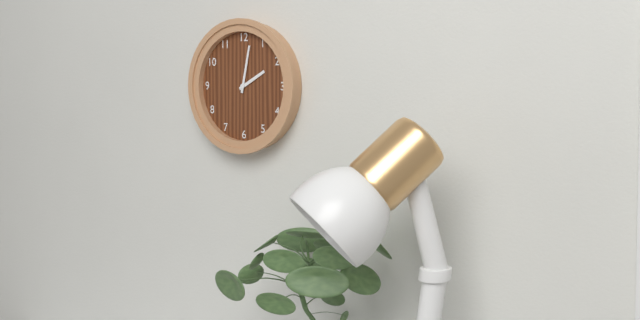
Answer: {"hour": 2, "minute": 2}
